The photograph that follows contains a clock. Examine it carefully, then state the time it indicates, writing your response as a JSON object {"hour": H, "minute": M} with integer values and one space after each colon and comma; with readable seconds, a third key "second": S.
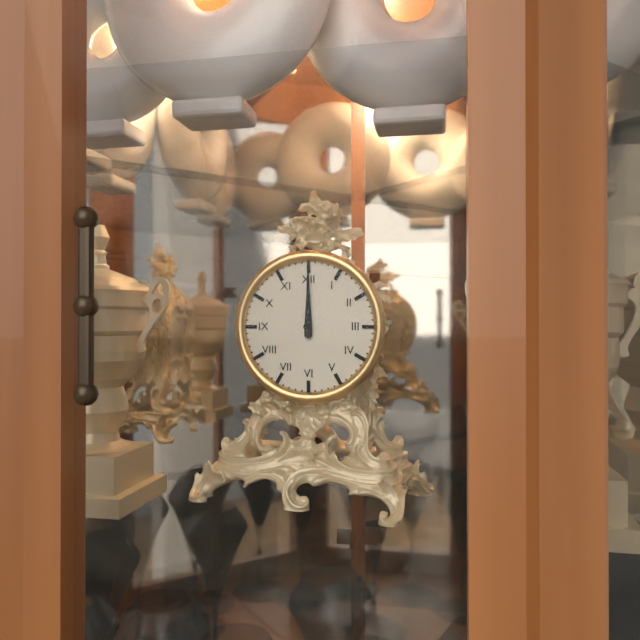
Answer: {"hour": 12, "minute": 0}
